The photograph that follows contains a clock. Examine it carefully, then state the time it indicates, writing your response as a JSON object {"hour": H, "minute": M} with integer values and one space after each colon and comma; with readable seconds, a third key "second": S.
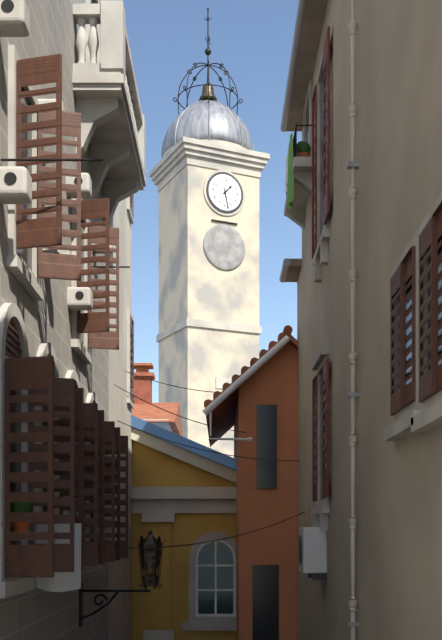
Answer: {"hour": 1, "minute": 28}
